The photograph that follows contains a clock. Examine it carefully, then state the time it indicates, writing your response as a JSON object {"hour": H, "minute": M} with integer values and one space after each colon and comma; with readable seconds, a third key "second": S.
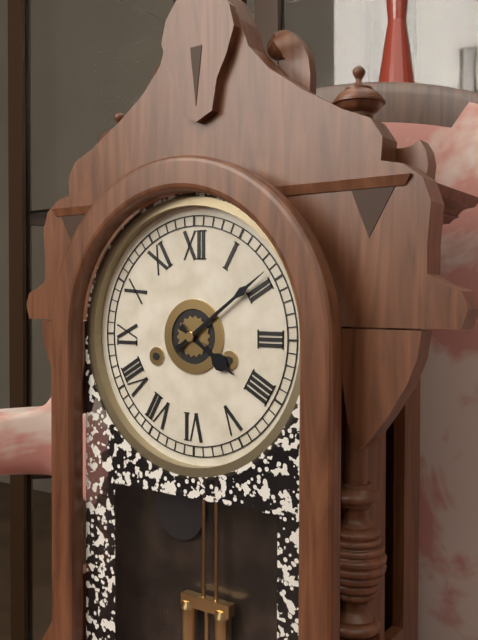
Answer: {"hour": 4, "minute": 9}
